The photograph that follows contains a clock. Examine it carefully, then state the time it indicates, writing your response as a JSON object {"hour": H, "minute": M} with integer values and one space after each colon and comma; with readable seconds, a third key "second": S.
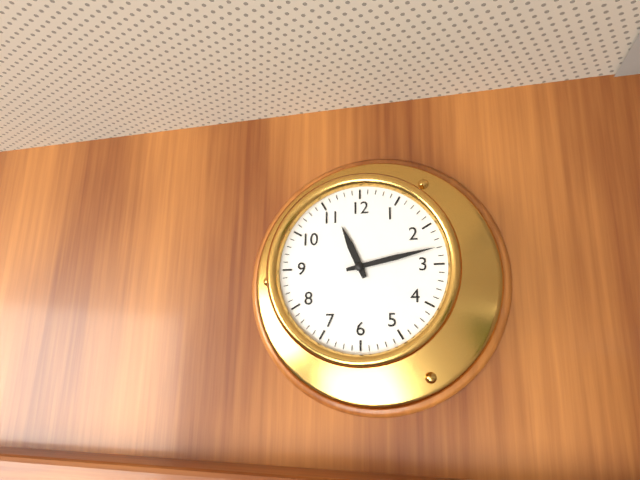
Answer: {"hour": 11, "minute": 13}
